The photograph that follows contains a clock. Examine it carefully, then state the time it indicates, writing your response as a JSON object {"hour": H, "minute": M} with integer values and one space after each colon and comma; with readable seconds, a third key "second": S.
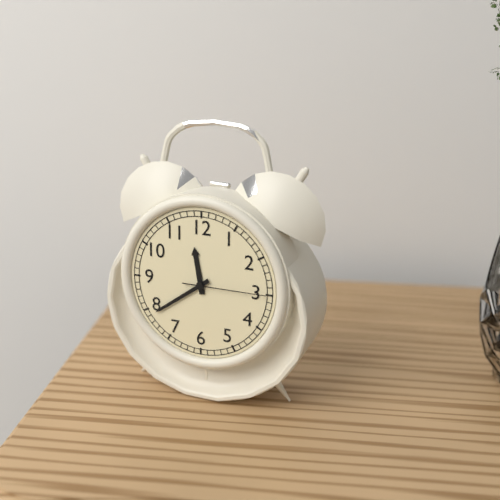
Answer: {"hour": 11, "minute": 39, "second": 15}
